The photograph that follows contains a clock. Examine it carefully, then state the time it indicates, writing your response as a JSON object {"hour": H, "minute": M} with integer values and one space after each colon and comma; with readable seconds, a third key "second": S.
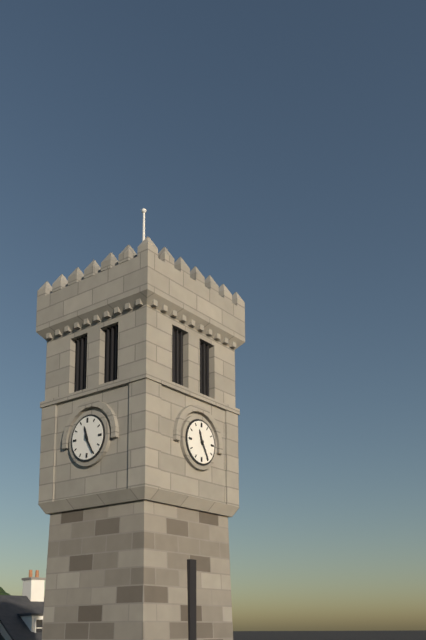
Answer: {"hour": 11, "minute": 25}
